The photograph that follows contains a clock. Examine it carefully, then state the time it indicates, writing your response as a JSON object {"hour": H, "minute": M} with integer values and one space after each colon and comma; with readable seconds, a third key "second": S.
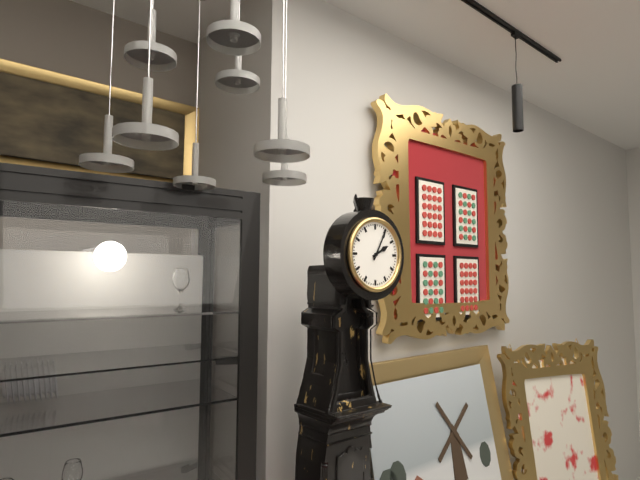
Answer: {"hour": 2, "minute": 5}
